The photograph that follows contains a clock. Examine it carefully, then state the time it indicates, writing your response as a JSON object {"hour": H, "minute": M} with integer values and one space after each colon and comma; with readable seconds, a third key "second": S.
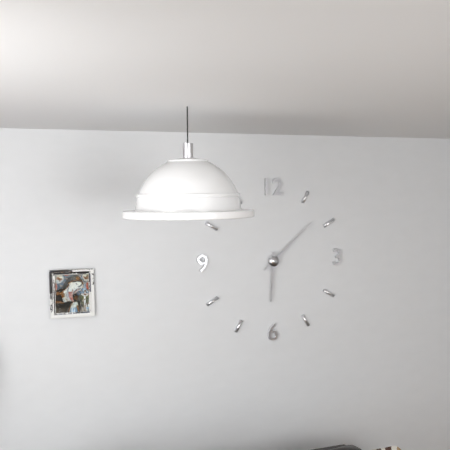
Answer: {"hour": 6, "minute": 8}
